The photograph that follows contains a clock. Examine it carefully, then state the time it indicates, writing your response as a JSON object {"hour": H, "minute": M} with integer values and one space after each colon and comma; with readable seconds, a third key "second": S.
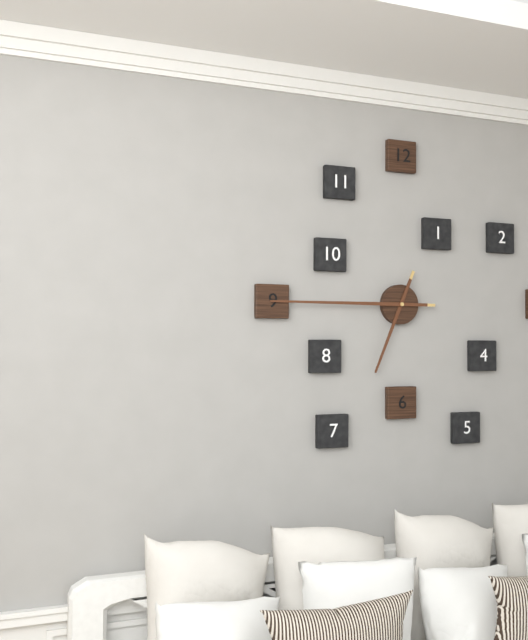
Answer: {"hour": 6, "minute": 45}
